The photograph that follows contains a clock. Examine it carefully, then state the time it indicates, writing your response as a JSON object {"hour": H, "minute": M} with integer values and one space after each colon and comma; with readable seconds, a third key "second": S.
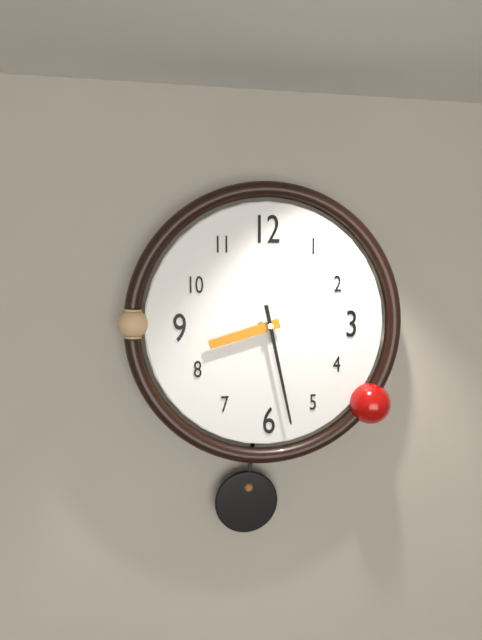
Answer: {"hour": 8, "minute": 28}
